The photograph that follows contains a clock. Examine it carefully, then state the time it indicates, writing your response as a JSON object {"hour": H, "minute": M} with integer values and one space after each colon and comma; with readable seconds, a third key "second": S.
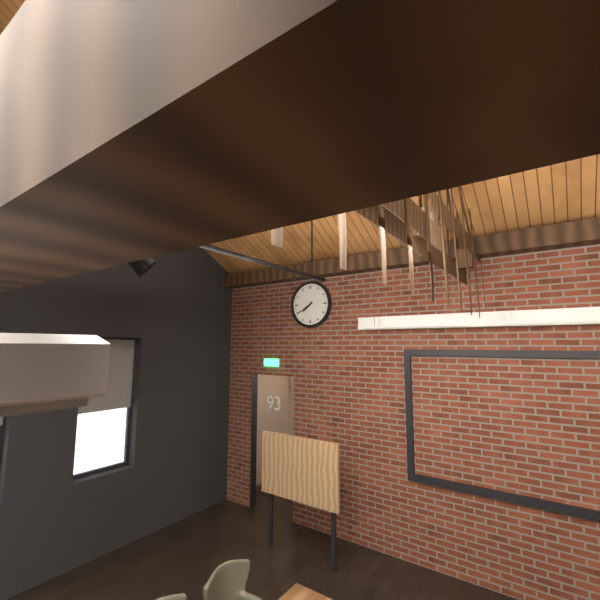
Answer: {"hour": 7, "minute": 40}
